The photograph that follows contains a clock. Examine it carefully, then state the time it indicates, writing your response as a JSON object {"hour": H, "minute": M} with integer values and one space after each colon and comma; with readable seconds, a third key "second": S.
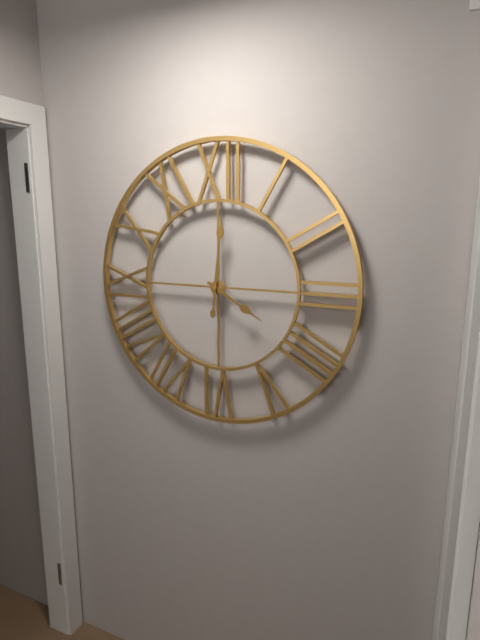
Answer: {"hour": 4, "minute": 1}
